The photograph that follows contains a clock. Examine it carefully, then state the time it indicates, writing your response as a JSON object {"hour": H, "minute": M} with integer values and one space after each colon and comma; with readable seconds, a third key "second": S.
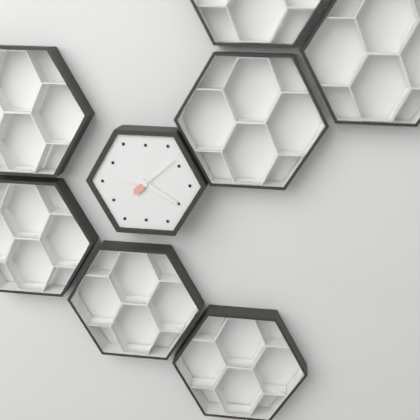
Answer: {"hour": 9, "minute": 20}
